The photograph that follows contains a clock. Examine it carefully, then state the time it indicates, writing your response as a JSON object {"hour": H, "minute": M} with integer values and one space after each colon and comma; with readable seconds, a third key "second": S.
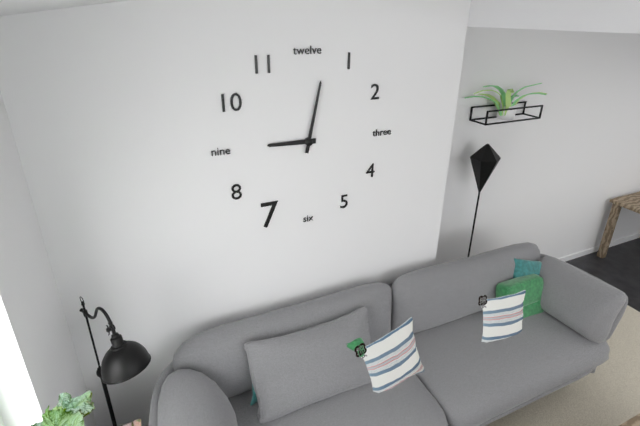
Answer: {"hour": 9, "minute": 2}
